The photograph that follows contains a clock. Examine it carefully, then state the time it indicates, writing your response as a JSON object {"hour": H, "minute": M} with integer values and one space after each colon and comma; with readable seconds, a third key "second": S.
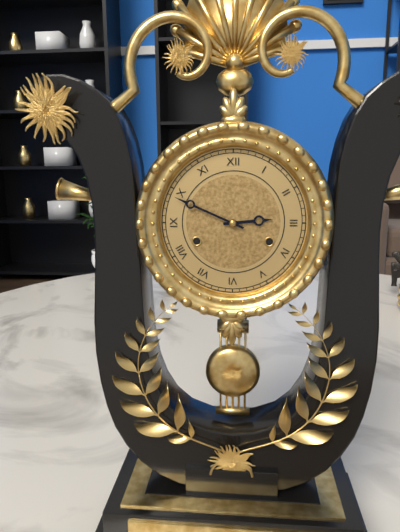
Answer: {"hour": 2, "minute": 49}
